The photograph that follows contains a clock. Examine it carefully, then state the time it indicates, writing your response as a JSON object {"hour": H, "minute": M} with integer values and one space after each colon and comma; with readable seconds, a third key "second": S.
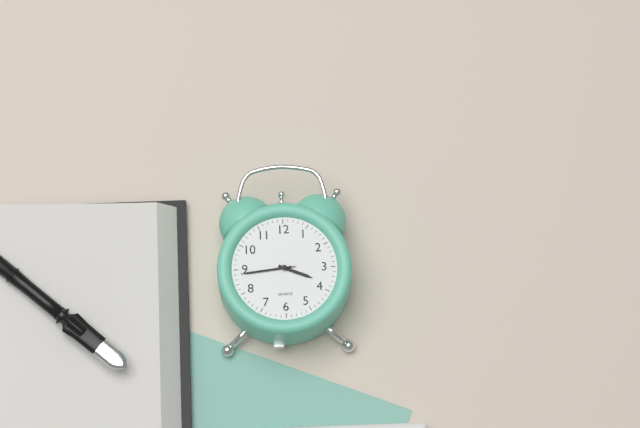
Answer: {"hour": 3, "minute": 44, "second": 44}
